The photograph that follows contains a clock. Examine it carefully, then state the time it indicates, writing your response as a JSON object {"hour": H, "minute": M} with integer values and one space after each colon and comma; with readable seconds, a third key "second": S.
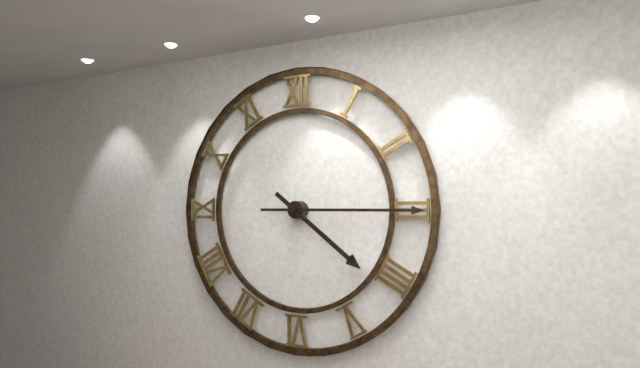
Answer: {"hour": 4, "minute": 15}
